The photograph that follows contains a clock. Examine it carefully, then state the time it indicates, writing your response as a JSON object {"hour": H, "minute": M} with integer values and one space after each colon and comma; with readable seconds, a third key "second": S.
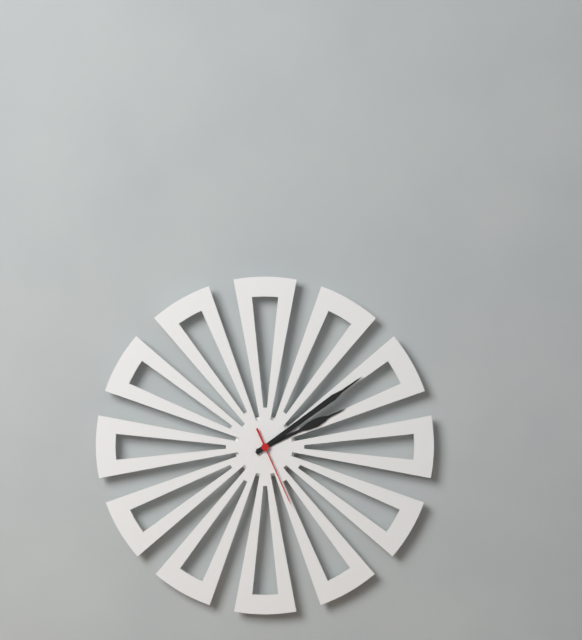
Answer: {"hour": 2, "minute": 9, "second": 26}
